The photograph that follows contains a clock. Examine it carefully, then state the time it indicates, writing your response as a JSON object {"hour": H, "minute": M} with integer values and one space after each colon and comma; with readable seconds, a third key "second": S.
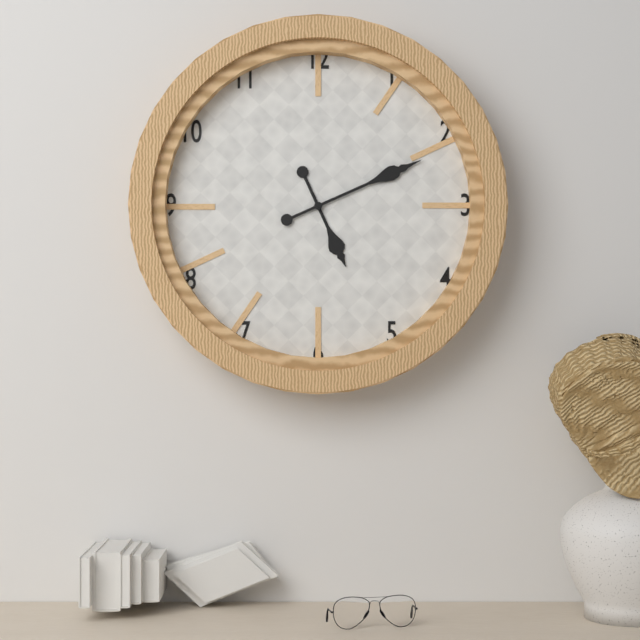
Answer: {"hour": 5, "minute": 11}
